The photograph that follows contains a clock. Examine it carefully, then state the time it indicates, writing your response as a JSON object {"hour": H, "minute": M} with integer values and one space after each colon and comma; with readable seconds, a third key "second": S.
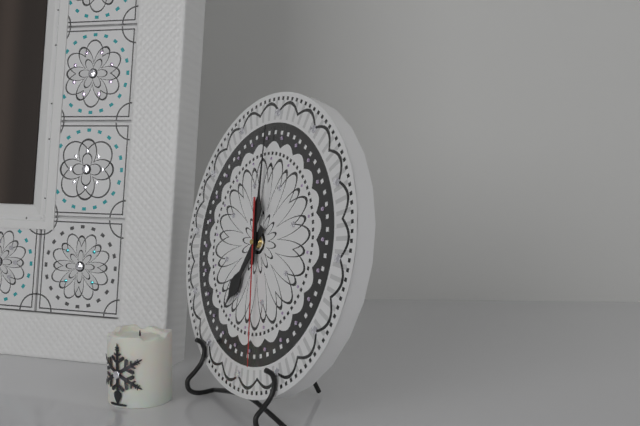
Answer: {"hour": 6, "minute": 59, "second": 28}
